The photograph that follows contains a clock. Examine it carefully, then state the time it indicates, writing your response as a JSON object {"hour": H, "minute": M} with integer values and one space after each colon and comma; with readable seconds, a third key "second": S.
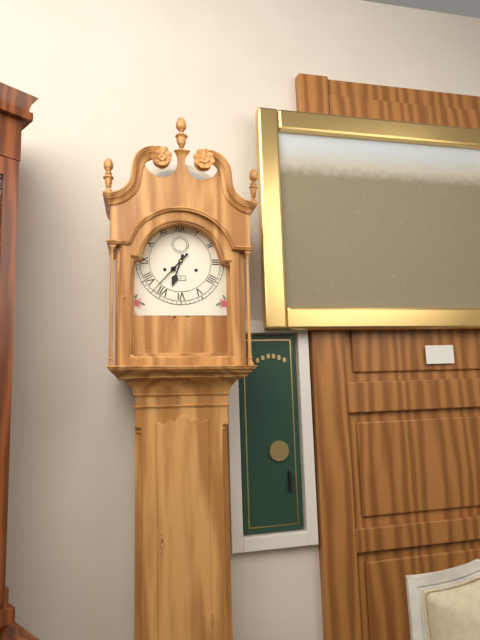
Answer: {"hour": 6, "minute": 37}
